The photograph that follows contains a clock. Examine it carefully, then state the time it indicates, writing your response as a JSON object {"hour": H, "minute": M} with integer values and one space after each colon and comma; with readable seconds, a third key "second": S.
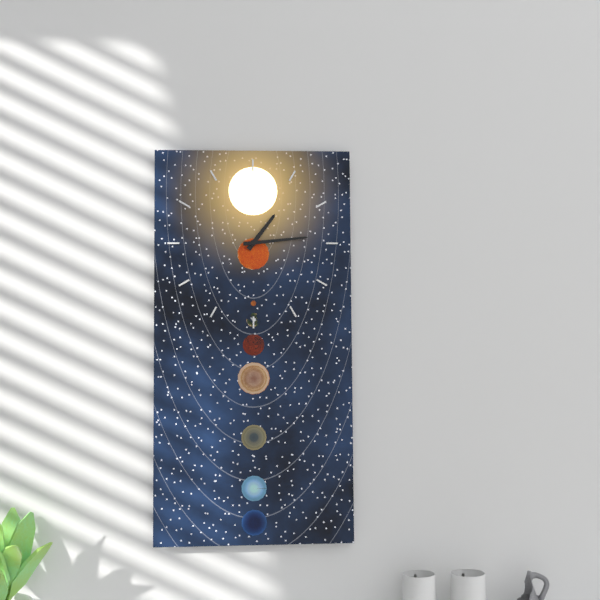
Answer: {"hour": 1, "minute": 14}
